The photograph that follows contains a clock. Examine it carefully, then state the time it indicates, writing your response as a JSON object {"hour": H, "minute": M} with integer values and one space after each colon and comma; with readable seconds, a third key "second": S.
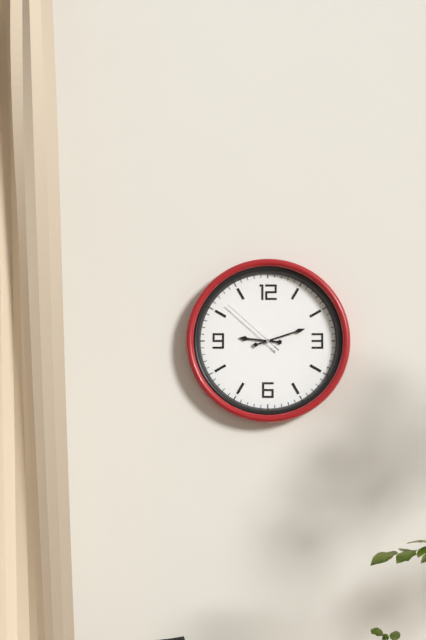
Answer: {"hour": 9, "minute": 12, "second": 52}
